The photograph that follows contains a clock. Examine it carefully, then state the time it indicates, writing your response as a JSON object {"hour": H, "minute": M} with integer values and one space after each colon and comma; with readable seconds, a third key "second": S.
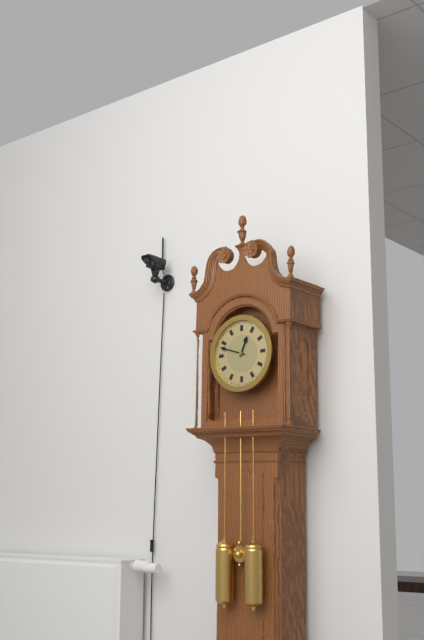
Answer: {"hour": 12, "minute": 48}
